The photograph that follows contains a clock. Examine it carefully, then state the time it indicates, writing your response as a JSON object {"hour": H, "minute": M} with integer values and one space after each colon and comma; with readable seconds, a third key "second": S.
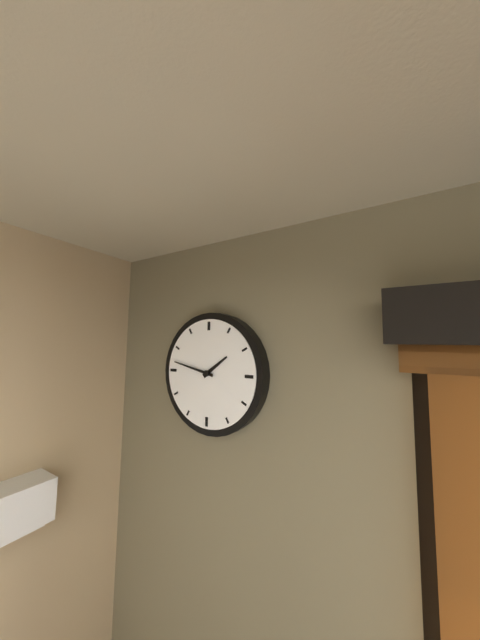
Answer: {"hour": 1, "minute": 47}
